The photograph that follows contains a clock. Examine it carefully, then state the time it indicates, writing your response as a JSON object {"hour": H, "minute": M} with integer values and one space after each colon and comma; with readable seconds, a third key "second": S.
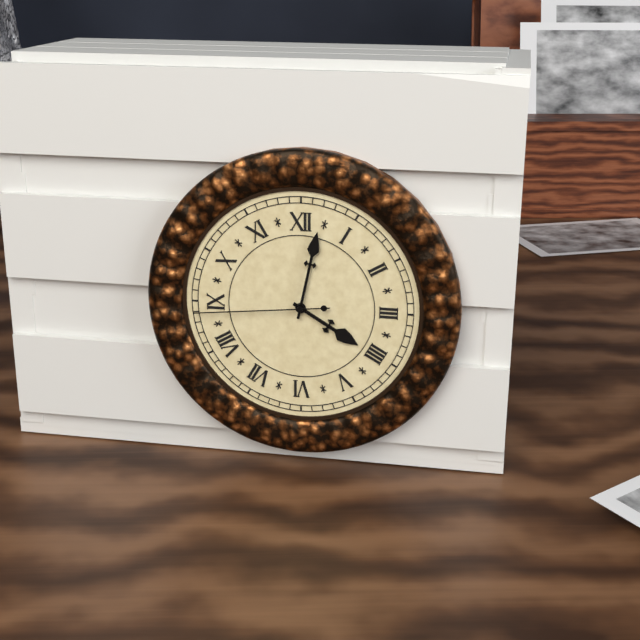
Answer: {"hour": 4, "minute": 2, "second": 44}
